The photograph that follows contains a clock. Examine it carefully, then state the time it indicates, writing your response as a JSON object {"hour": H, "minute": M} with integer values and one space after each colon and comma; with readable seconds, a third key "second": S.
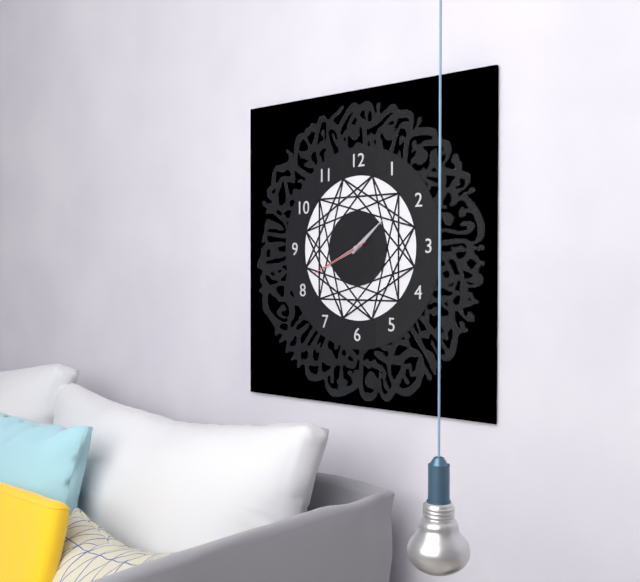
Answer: {"hour": 1, "minute": 41, "second": 41}
